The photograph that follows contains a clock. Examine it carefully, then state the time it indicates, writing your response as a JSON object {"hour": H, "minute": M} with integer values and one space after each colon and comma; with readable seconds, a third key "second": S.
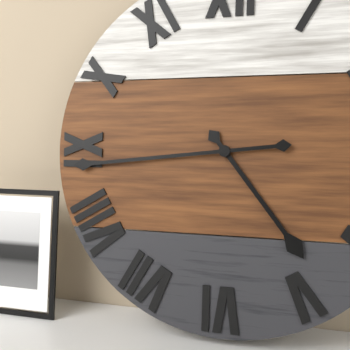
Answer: {"hour": 4, "minute": 44}
